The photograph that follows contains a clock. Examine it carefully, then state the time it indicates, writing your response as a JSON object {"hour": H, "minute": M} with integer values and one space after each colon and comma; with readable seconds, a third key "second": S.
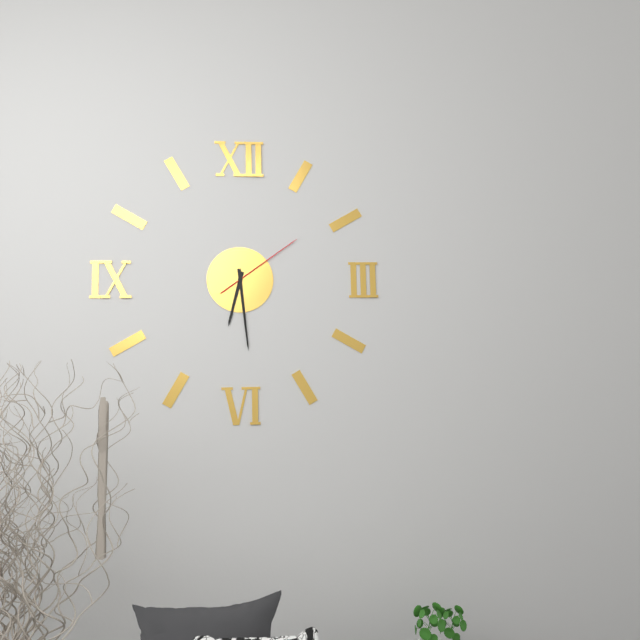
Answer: {"hour": 6, "minute": 29, "second": 9}
